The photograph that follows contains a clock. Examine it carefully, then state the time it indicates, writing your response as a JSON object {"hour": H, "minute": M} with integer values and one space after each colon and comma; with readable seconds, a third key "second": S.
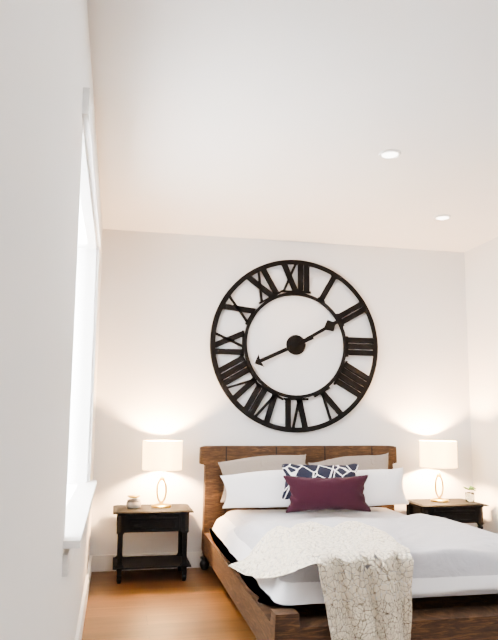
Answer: {"hour": 8, "minute": 10}
